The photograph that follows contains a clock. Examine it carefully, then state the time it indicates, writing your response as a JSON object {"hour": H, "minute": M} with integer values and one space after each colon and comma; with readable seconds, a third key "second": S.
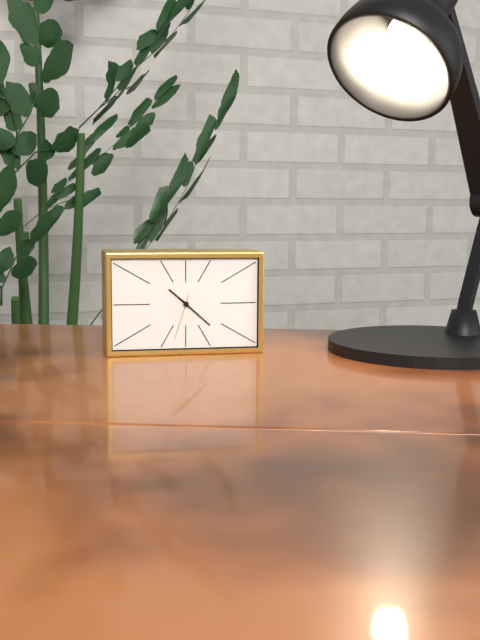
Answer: {"hour": 10, "minute": 22}
